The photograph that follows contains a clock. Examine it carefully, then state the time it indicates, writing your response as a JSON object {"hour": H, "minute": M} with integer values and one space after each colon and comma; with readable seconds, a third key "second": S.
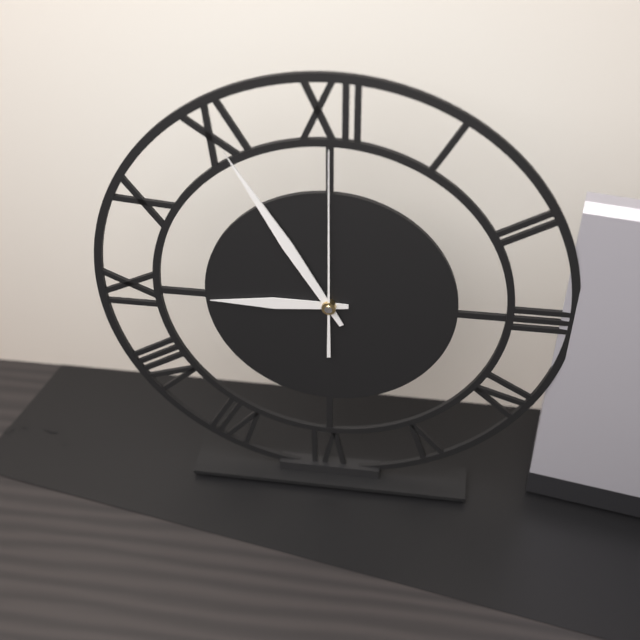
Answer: {"hour": 8, "minute": 55, "second": 0}
